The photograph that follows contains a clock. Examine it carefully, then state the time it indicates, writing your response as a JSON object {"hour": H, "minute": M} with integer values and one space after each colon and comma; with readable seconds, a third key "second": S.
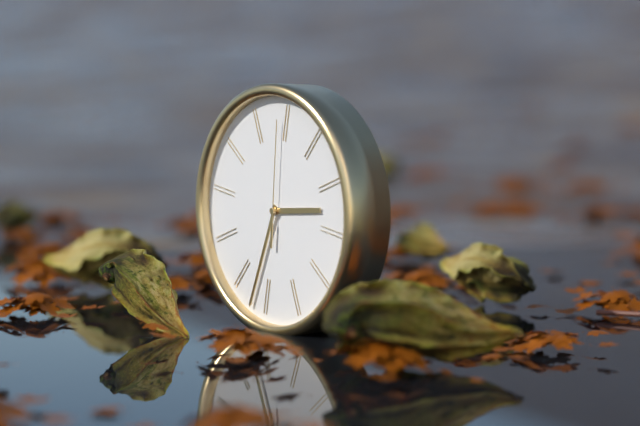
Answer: {"hour": 2, "minute": 32, "second": 59}
